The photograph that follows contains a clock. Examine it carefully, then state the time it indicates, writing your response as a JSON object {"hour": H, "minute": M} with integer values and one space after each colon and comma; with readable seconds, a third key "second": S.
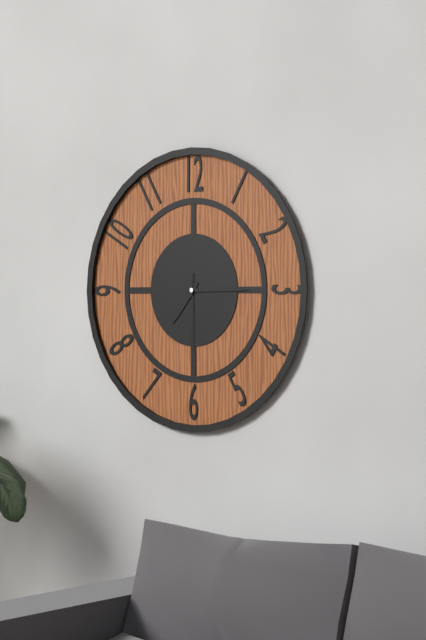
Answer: {"hour": 7, "minute": 15, "second": 30}
